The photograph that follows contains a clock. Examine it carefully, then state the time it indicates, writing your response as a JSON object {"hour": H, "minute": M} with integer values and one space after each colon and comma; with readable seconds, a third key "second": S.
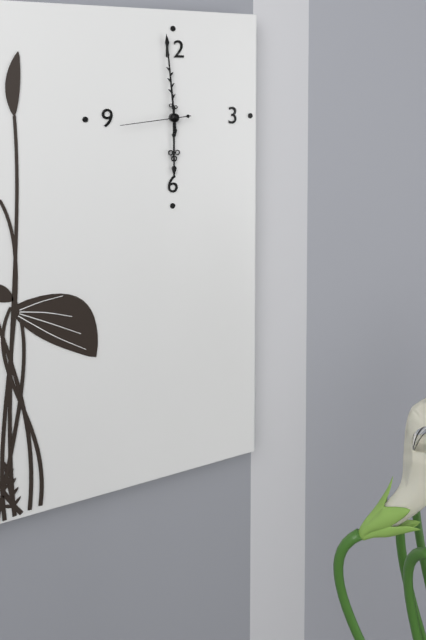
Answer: {"hour": 5, "minute": 59, "second": 44}
